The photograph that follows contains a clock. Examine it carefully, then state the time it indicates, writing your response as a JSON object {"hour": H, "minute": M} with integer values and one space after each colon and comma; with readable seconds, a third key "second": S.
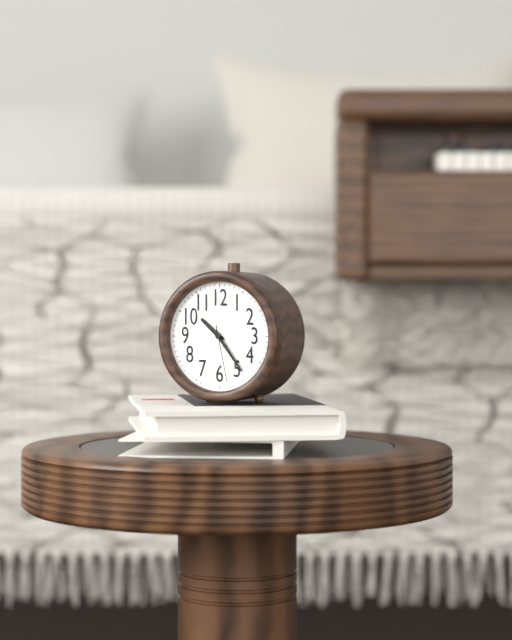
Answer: {"hour": 10, "minute": 24, "second": 28}
